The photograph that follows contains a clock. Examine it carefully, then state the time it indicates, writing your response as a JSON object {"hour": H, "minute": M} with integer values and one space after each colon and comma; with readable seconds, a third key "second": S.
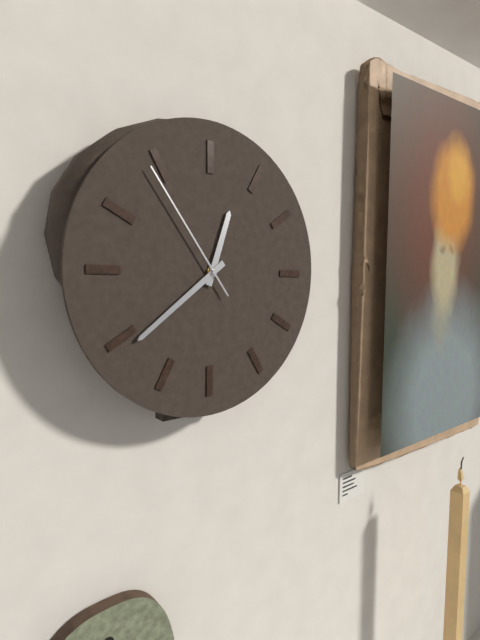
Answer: {"hour": 12, "minute": 39, "second": 54}
